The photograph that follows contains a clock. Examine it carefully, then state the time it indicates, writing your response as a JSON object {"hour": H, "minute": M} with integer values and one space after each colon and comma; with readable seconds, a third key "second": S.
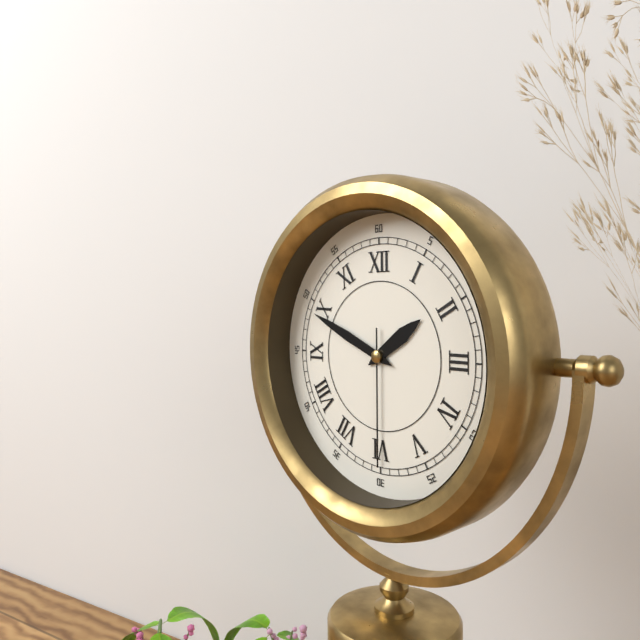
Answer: {"hour": 1, "minute": 49, "second": 30}
